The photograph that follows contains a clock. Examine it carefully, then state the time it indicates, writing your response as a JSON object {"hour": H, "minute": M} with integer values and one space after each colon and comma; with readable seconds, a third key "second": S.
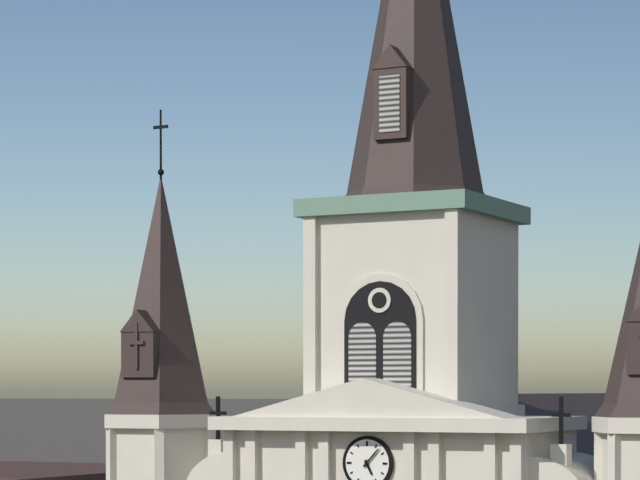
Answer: {"hour": 5, "minute": 7}
